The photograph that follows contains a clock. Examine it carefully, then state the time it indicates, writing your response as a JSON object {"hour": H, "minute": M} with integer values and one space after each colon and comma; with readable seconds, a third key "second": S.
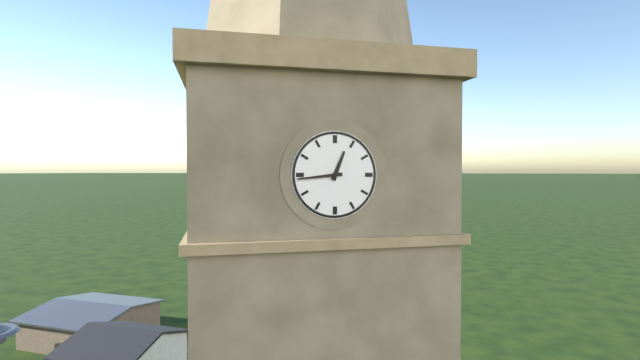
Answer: {"hour": 12, "minute": 44}
